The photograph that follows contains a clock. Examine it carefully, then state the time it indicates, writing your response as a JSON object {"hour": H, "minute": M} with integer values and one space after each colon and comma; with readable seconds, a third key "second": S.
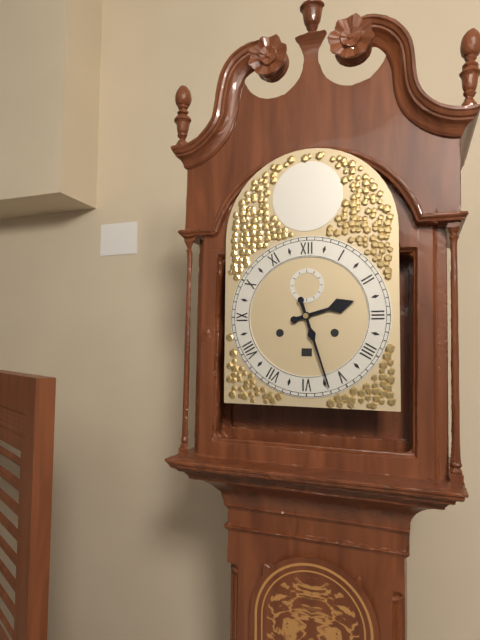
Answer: {"hour": 2, "minute": 27}
